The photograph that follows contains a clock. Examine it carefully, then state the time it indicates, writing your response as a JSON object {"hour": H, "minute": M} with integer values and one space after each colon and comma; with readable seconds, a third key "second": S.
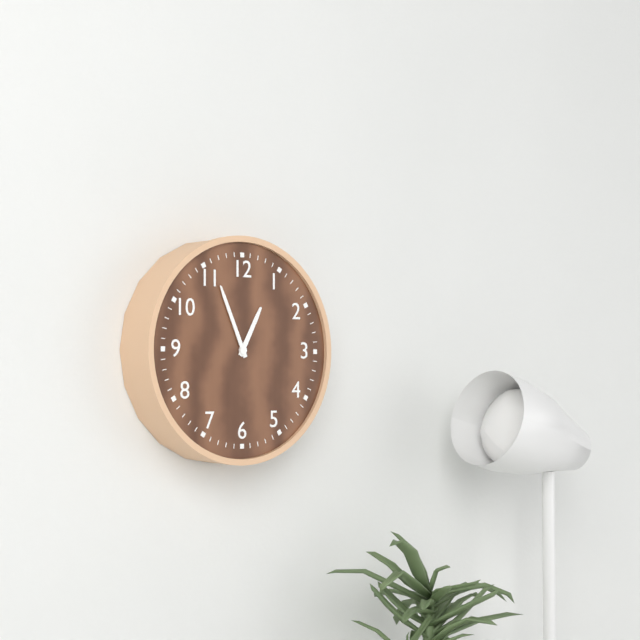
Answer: {"hour": 12, "minute": 56}
